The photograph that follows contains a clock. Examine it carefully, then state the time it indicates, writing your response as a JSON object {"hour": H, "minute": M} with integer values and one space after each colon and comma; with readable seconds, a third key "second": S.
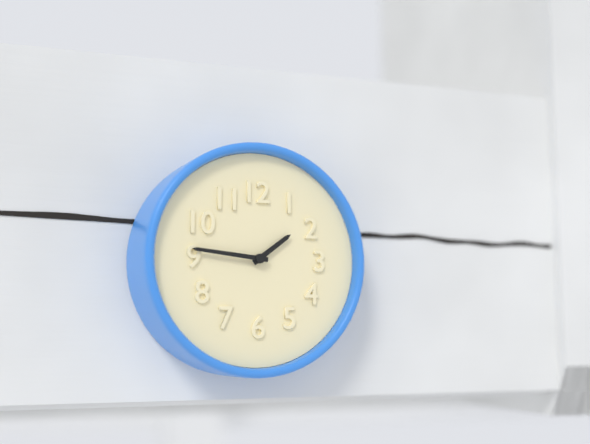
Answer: {"hour": 1, "minute": 46}
